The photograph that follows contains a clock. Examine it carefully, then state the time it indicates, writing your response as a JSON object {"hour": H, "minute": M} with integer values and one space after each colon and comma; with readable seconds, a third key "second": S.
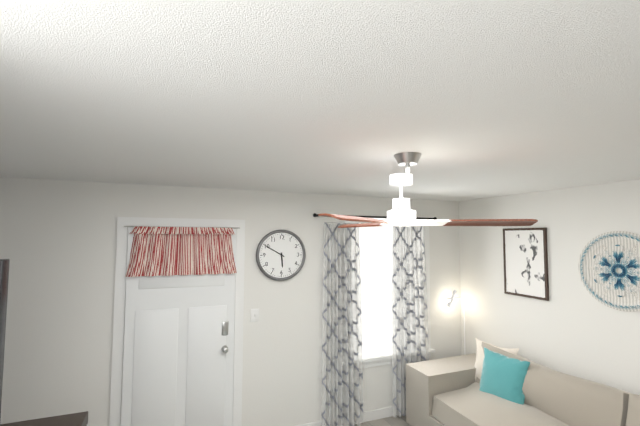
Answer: {"hour": 5, "minute": 50}
